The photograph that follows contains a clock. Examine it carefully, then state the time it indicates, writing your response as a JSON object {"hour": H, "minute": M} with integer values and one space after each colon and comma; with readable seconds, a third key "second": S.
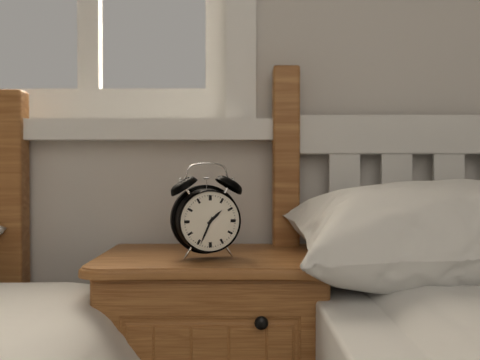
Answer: {"hour": 1, "minute": 34}
